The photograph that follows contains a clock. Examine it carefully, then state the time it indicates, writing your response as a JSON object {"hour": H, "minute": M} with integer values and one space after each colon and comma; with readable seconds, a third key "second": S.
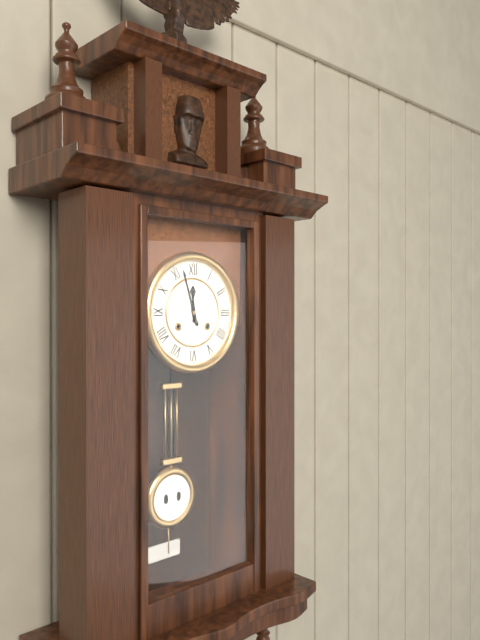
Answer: {"hour": 11, "minute": 57}
